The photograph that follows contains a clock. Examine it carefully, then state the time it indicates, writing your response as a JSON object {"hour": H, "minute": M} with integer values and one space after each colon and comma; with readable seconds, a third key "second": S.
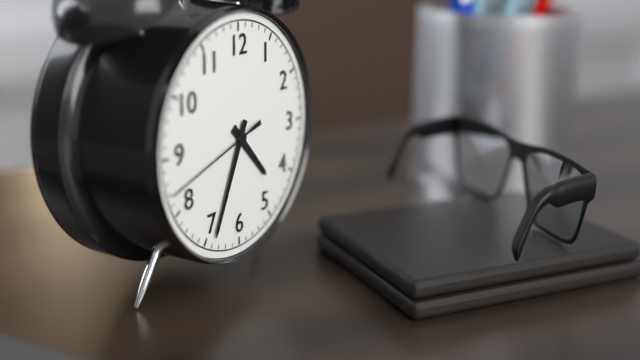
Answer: {"hour": 4, "minute": 34, "second": 42}
